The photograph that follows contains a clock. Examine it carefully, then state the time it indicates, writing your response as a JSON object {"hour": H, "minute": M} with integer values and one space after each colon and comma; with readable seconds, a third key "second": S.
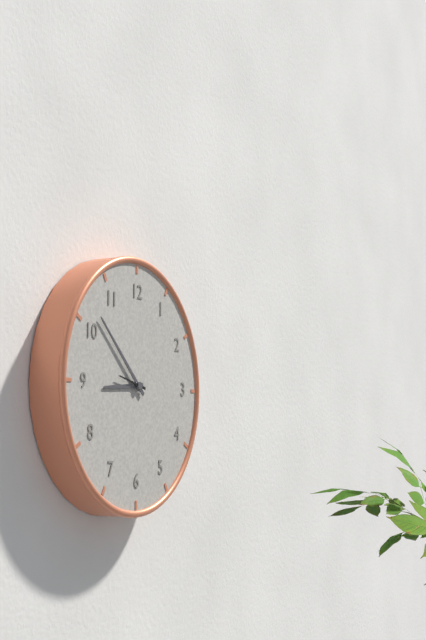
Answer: {"hour": 8, "minute": 52}
